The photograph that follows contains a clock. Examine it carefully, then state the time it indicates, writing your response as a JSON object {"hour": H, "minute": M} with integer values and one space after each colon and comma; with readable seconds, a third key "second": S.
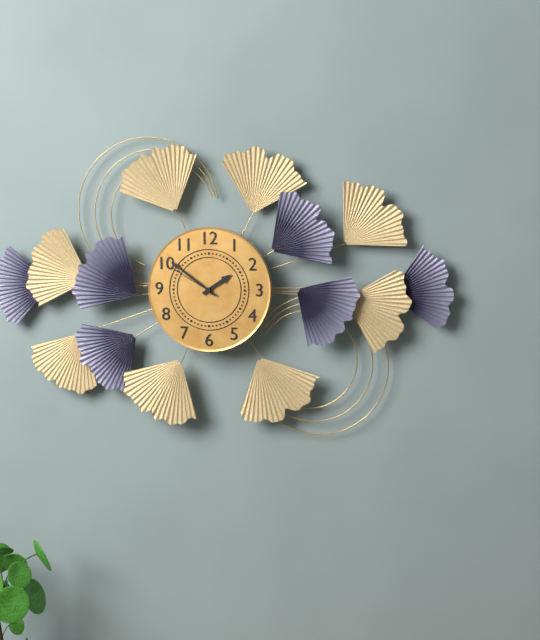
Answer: {"hour": 1, "minute": 51, "second": 50}
